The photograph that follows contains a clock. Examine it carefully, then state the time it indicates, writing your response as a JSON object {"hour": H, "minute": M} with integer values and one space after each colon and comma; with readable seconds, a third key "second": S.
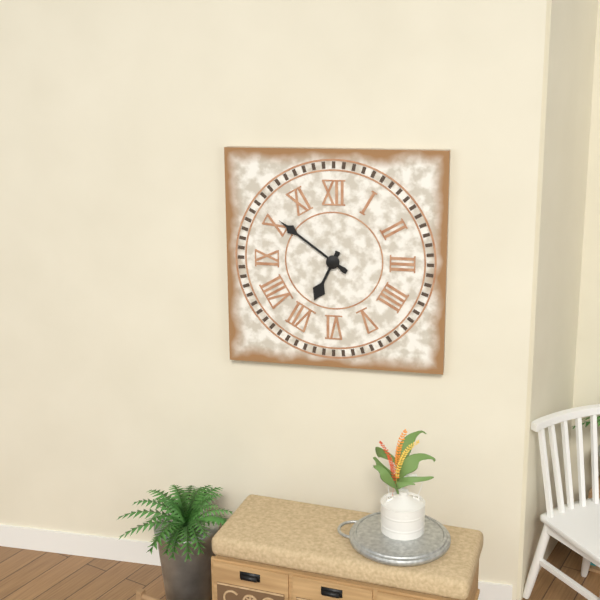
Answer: {"hour": 6, "minute": 51}
